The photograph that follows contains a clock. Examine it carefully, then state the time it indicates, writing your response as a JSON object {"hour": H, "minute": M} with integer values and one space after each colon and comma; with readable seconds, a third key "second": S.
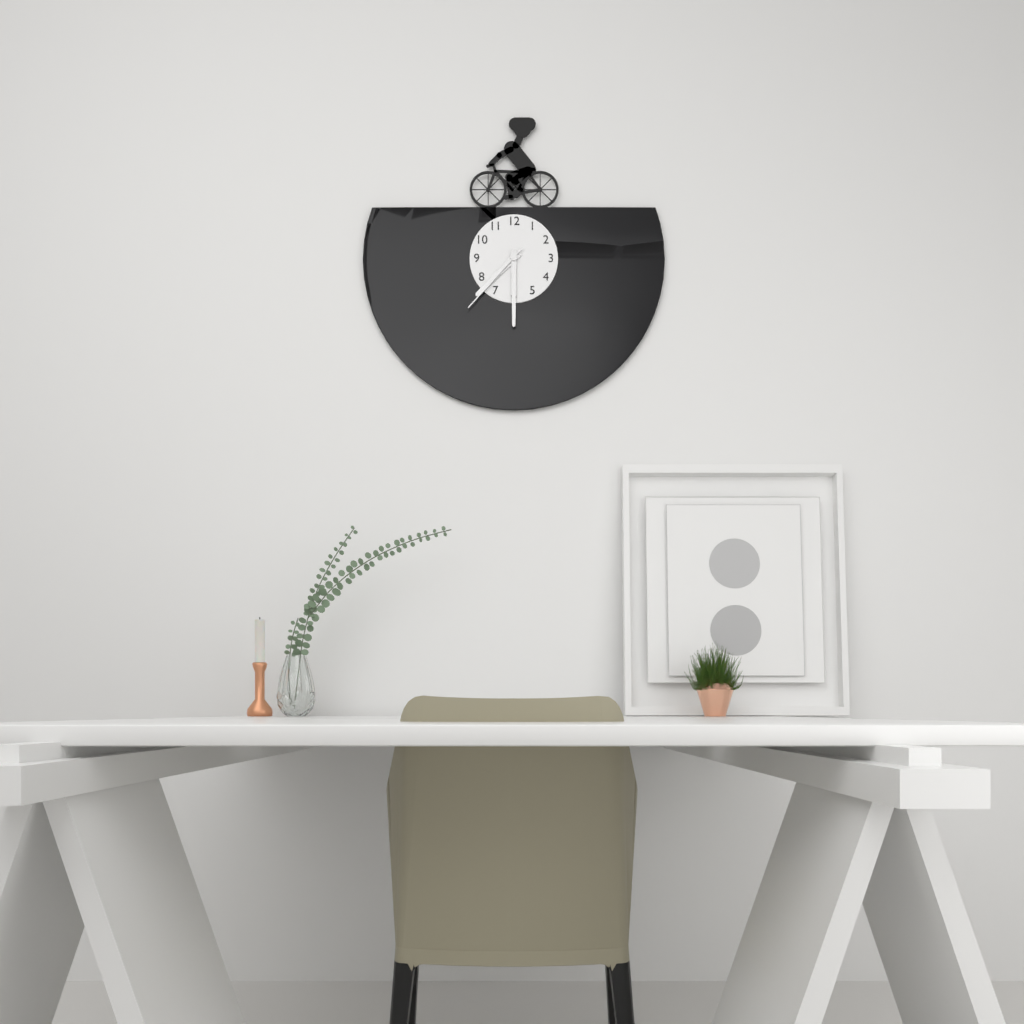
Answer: {"hour": 7, "minute": 30, "second": 37}
